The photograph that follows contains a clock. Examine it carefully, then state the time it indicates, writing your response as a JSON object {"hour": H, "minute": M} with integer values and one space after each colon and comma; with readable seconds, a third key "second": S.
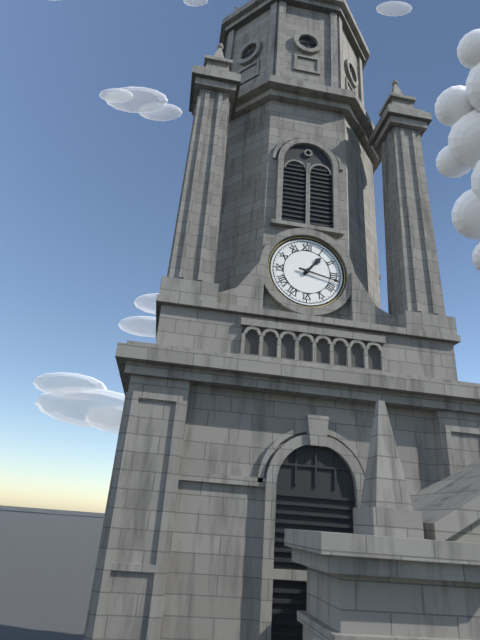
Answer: {"hour": 1, "minute": 17}
